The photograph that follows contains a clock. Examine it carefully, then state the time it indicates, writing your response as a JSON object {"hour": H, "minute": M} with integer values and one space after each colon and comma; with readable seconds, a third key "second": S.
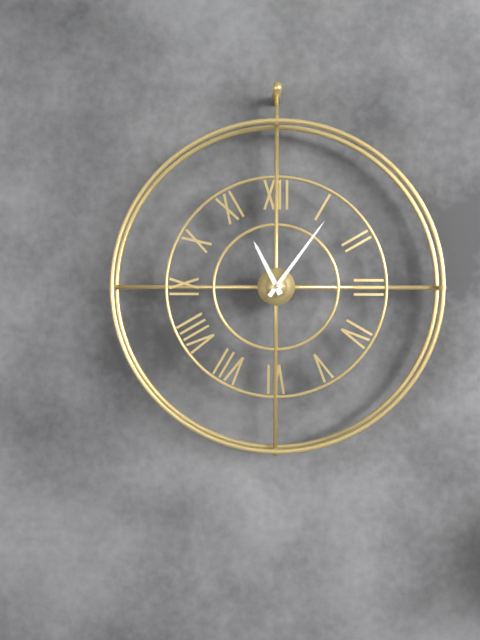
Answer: {"hour": 11, "minute": 6}
